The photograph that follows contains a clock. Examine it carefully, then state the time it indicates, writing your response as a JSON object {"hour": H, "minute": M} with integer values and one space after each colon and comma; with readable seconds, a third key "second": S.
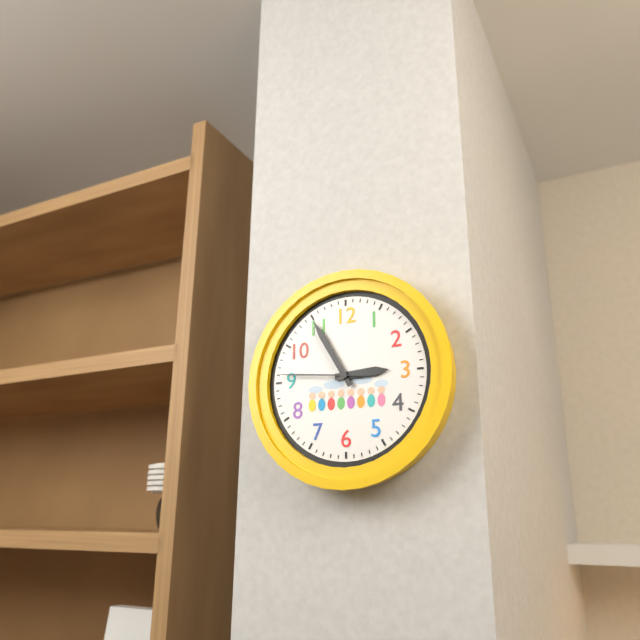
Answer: {"hour": 2, "minute": 55, "second": 46}
